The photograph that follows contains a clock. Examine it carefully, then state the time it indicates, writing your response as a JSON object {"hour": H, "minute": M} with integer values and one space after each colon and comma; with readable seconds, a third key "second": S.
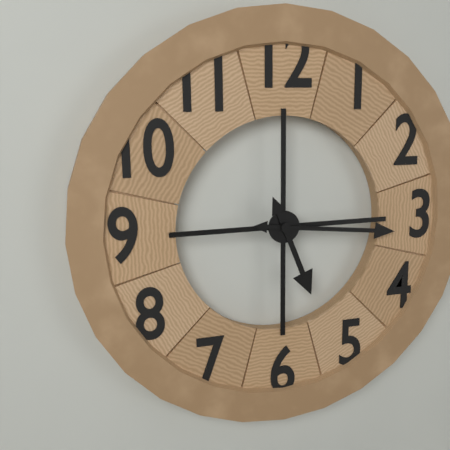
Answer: {"hour": 5, "minute": 16}
